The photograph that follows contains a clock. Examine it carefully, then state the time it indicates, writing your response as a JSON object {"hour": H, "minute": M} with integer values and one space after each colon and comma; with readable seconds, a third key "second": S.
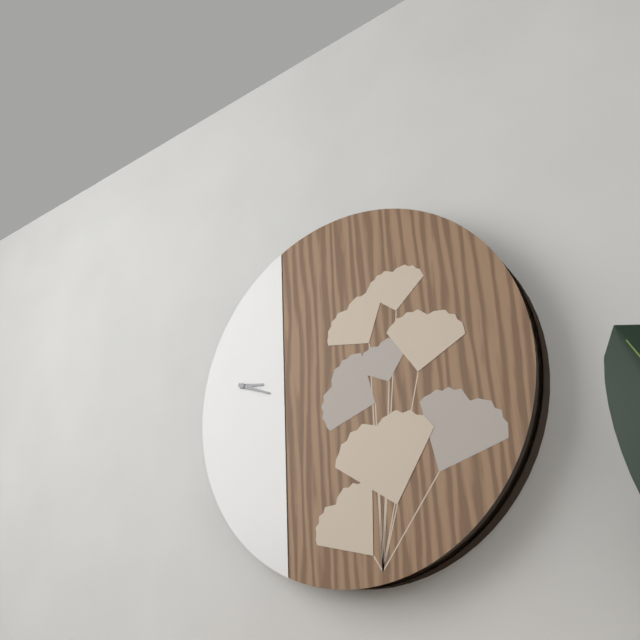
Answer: {"hour": 3, "minute": 19}
